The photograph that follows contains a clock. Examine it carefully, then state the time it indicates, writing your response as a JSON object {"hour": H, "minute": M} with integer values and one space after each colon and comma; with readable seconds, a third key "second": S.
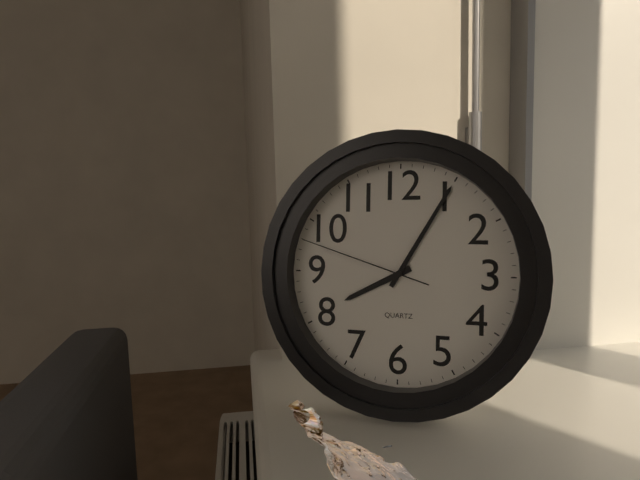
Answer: {"hour": 8, "minute": 5, "second": 48}
